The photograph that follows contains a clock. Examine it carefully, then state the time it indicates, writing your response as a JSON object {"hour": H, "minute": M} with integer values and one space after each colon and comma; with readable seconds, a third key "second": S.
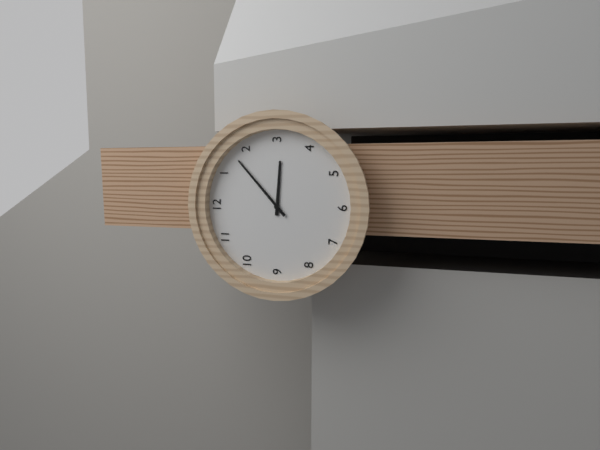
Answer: {"hour": 3, "minute": 8}
